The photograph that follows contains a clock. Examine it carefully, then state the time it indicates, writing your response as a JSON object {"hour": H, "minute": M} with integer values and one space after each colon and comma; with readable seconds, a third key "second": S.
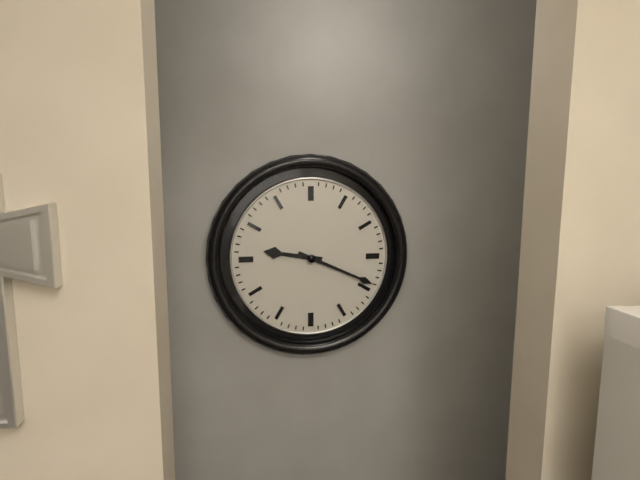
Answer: {"hour": 9, "minute": 19}
